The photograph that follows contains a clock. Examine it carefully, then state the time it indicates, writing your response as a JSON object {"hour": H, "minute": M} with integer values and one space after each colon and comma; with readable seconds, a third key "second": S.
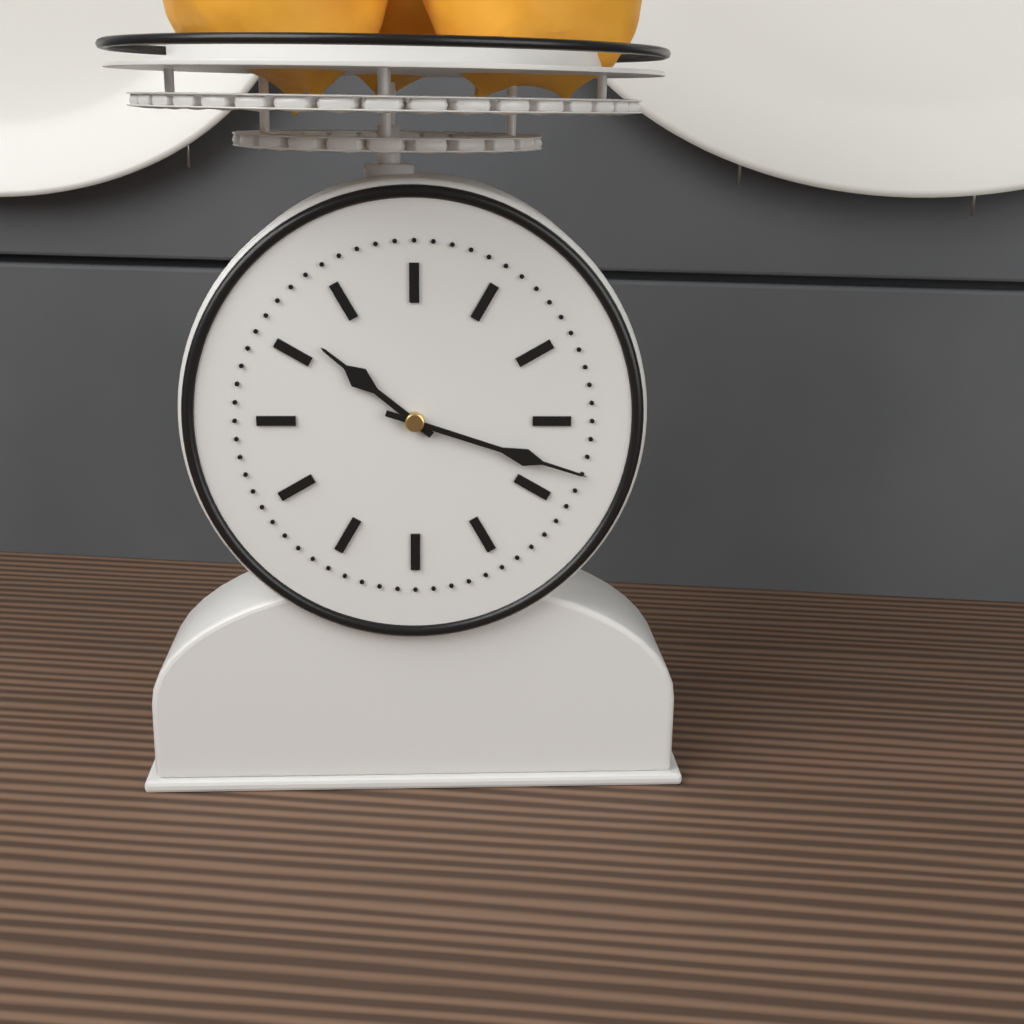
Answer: {"hour": 10, "minute": 18}
